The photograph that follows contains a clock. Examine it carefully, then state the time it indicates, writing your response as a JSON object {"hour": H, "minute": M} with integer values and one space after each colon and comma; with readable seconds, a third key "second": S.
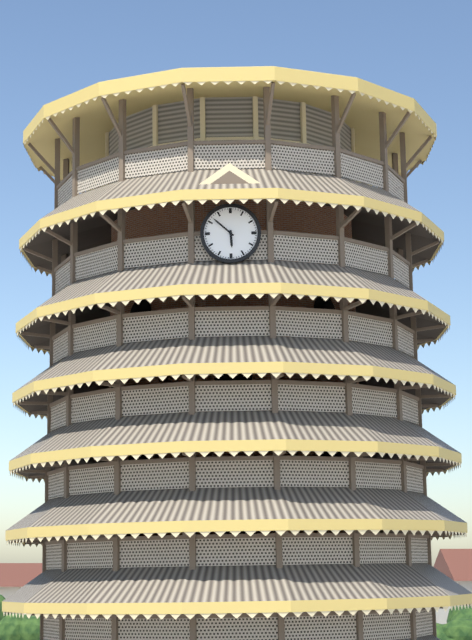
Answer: {"hour": 5, "minute": 52}
